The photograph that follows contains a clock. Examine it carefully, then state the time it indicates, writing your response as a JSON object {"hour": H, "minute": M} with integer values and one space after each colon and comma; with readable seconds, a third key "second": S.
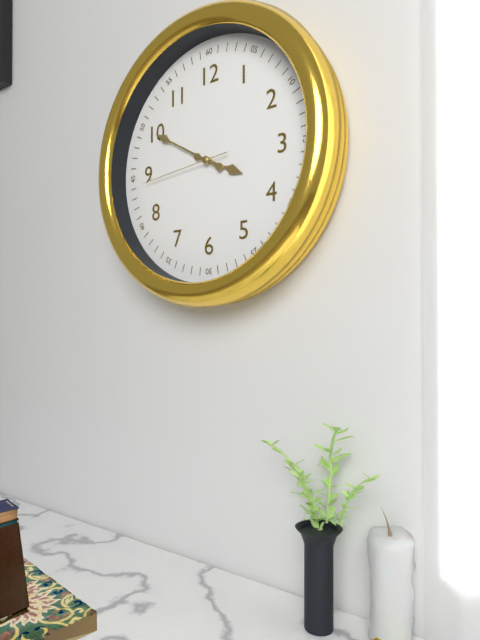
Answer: {"hour": 3, "minute": 50, "second": 44}
